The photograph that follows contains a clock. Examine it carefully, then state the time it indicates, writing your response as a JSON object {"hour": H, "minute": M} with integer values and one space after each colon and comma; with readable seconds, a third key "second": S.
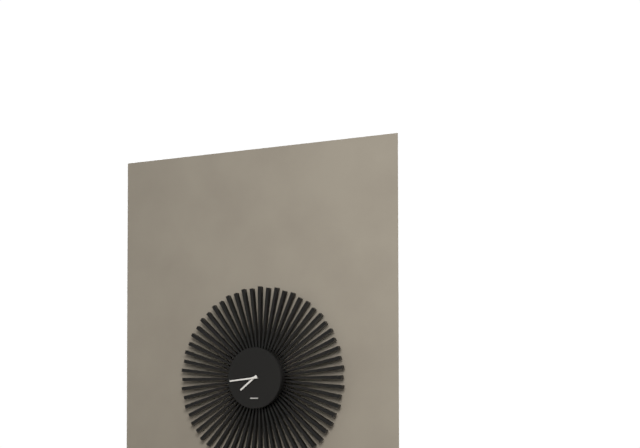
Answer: {"hour": 7, "minute": 44}
